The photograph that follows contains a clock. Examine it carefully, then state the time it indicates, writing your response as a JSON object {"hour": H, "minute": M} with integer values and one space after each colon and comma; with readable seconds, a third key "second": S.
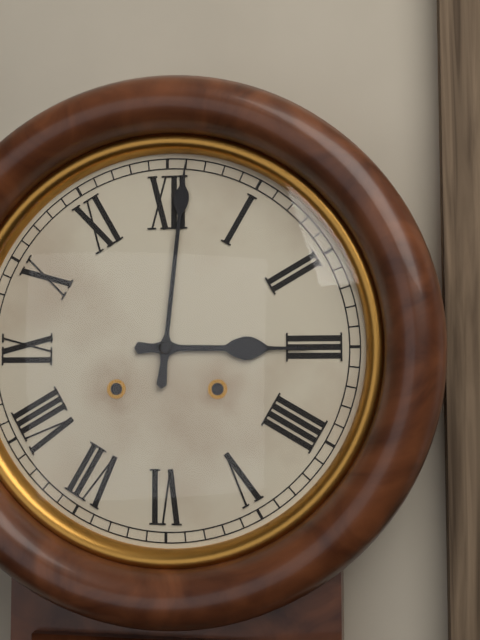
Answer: {"hour": 3, "minute": 1}
